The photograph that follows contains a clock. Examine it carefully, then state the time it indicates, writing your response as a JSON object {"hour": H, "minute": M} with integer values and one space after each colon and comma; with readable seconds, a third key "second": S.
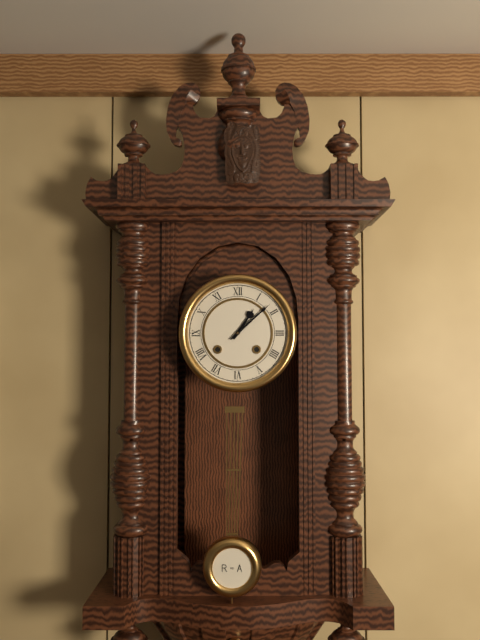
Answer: {"hour": 1, "minute": 8}
